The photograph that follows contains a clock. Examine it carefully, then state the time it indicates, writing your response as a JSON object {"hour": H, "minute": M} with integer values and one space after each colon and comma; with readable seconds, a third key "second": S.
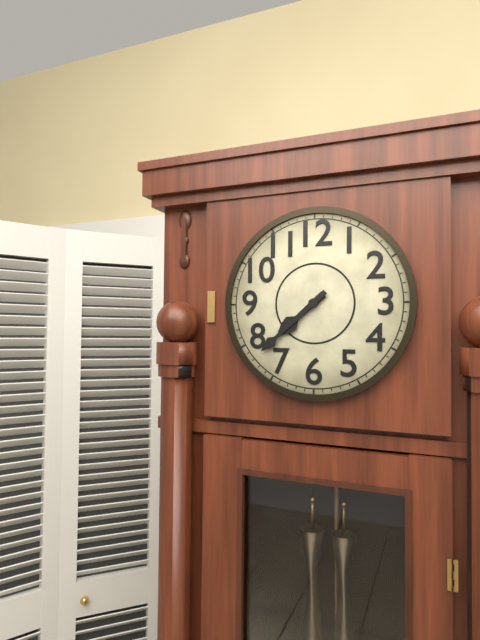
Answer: {"hour": 7, "minute": 38}
